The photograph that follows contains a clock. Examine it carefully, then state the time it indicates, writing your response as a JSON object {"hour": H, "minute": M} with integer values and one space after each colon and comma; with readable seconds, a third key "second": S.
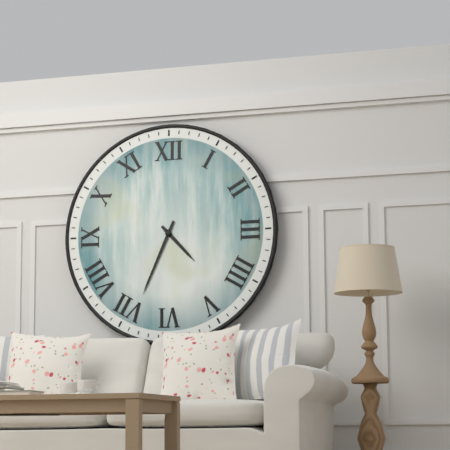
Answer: {"hour": 4, "minute": 34}
